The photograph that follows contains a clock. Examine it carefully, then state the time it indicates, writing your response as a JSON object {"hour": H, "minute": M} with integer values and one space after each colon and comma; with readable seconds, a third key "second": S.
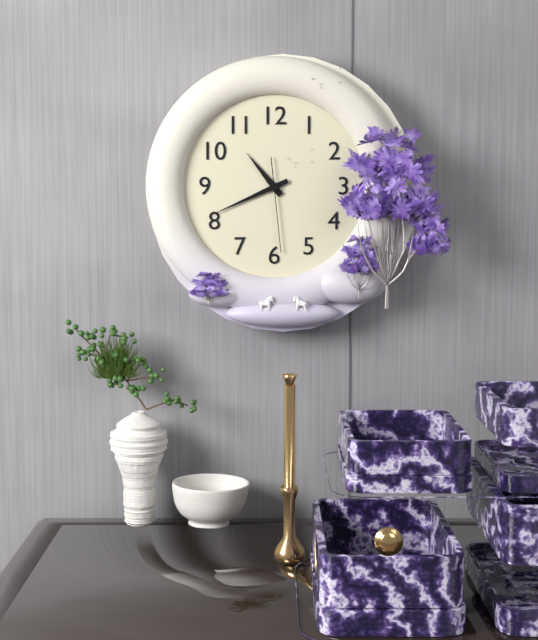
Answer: {"hour": 10, "minute": 41, "second": 29}
